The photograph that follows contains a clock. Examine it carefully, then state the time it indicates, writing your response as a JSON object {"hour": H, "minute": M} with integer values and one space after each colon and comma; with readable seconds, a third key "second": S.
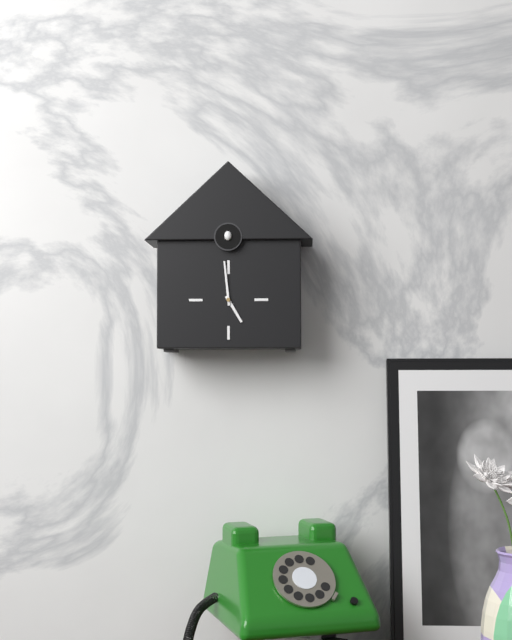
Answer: {"hour": 4, "minute": 59}
